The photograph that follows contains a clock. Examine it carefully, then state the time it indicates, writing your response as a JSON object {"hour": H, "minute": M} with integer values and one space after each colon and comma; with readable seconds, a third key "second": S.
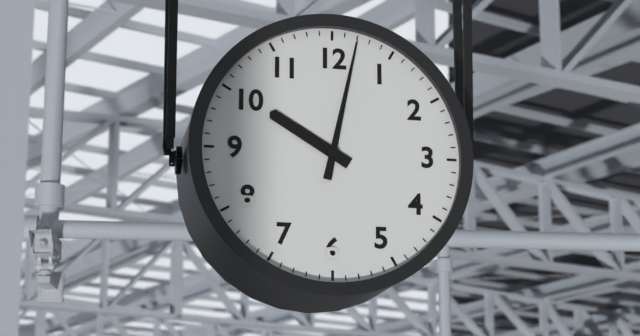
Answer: {"hour": 10, "minute": 2}
